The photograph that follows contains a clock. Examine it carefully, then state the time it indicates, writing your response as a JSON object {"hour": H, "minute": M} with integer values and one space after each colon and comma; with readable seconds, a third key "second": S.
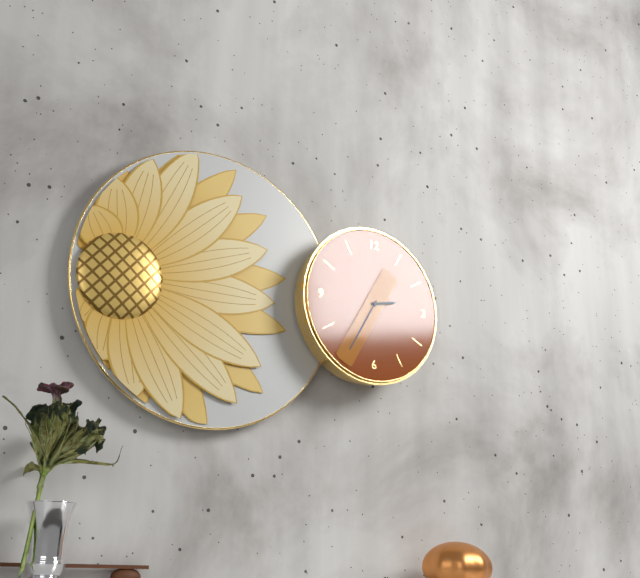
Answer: {"hour": 2, "minute": 35}
